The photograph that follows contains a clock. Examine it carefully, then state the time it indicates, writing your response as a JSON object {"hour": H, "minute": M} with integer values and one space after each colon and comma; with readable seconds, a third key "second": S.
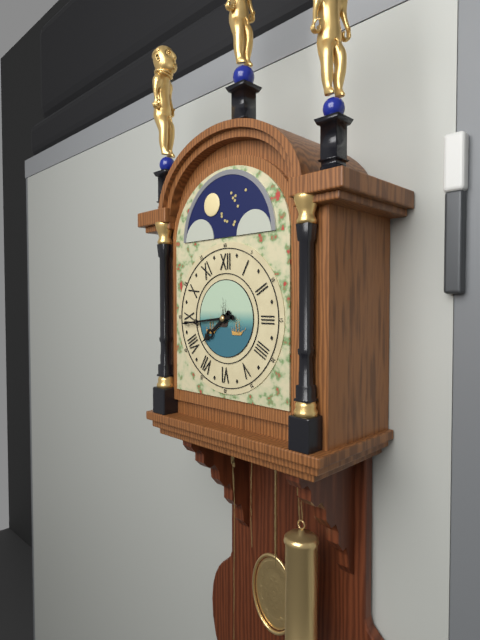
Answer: {"hour": 7, "minute": 44}
